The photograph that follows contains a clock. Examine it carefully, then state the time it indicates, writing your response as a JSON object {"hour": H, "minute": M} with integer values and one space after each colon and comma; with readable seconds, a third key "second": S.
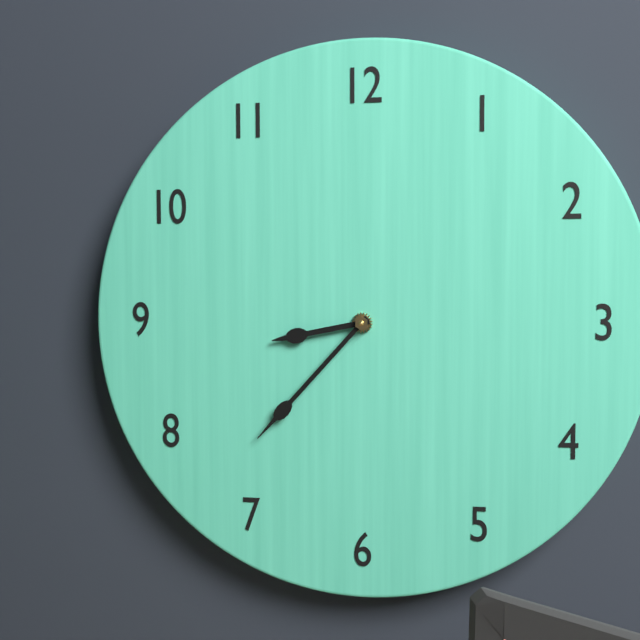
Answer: {"hour": 8, "minute": 37}
